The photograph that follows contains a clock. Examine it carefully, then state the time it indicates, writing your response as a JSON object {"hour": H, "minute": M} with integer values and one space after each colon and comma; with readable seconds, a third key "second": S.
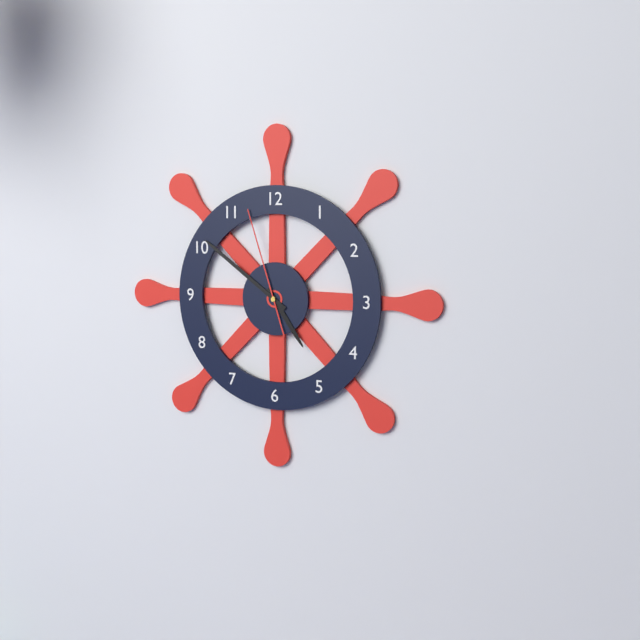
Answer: {"hour": 4, "minute": 51, "second": 57}
